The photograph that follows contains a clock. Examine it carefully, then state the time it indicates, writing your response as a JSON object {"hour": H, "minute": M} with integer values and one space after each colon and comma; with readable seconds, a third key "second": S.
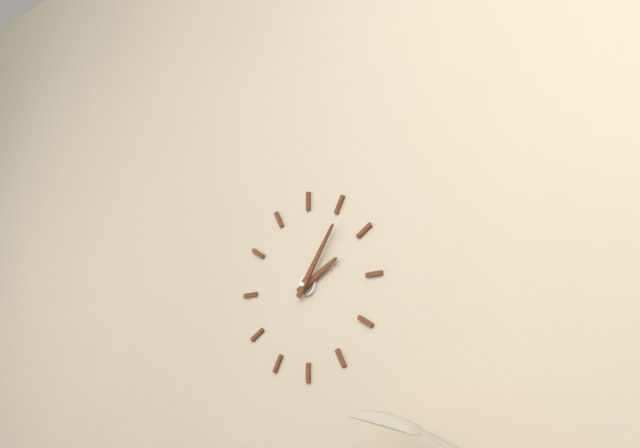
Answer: {"hour": 2, "minute": 6}
